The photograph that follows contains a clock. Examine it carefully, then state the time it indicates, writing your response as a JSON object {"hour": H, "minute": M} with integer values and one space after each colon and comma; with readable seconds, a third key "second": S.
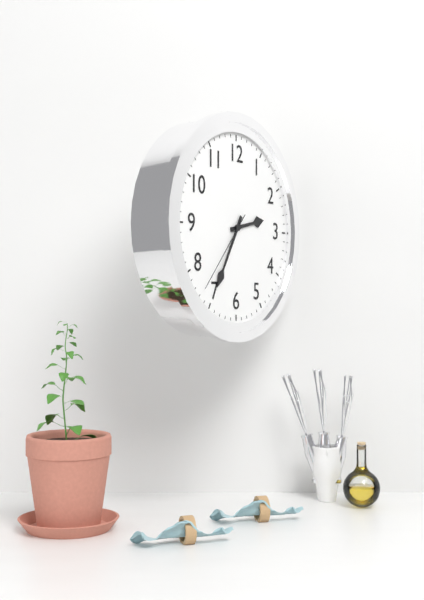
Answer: {"hour": 2, "minute": 35, "second": 37}
